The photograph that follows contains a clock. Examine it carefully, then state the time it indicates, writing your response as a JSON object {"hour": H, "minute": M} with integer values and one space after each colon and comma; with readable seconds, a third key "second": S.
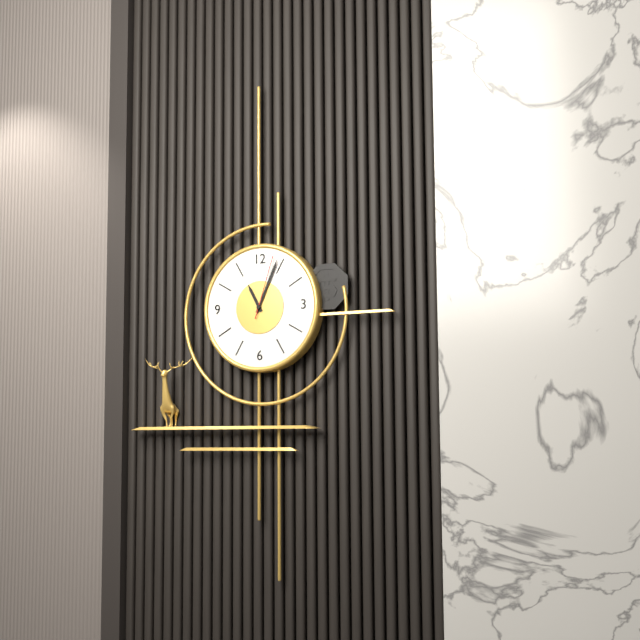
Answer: {"hour": 11, "minute": 4, "second": 3}
